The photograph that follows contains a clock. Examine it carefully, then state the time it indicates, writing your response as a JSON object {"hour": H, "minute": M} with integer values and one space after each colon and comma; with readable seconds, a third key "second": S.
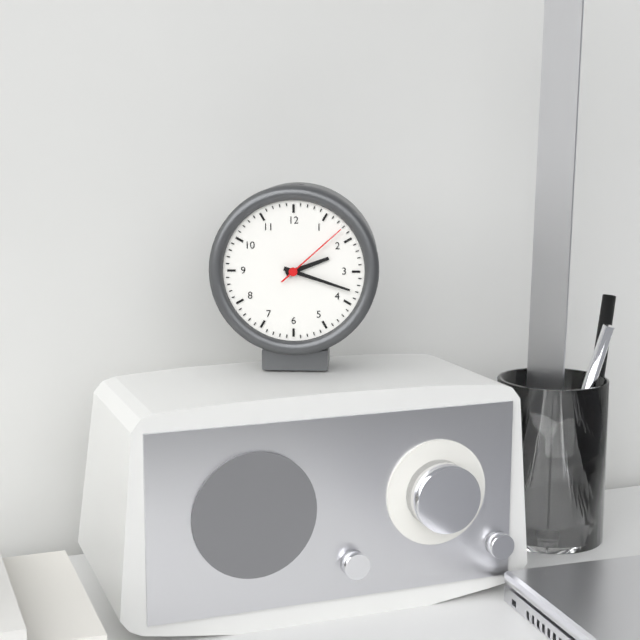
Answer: {"hour": 2, "minute": 18, "second": 8}
